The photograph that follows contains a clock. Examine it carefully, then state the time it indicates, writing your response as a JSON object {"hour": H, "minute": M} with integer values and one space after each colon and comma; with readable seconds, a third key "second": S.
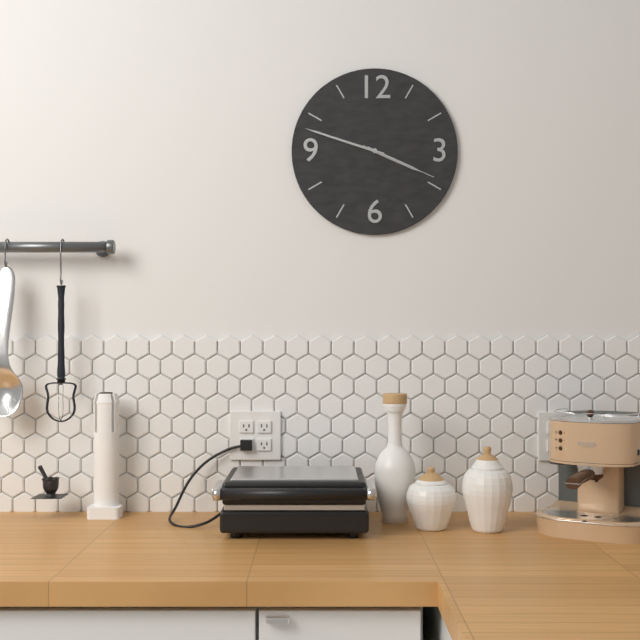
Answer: {"hour": 3, "minute": 48, "second": 19}
